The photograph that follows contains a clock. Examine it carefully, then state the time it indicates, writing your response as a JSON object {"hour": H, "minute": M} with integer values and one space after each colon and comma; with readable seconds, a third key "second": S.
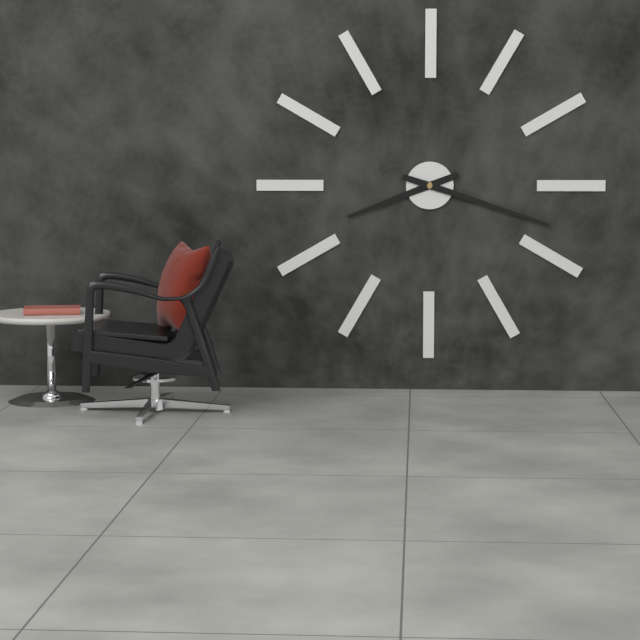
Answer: {"hour": 8, "minute": 18}
